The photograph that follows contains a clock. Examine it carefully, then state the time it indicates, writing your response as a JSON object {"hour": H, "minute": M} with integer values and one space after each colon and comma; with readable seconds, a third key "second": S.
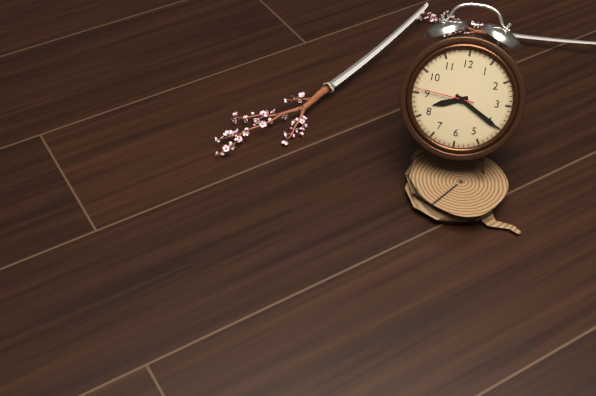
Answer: {"hour": 8, "minute": 20, "second": 46}
